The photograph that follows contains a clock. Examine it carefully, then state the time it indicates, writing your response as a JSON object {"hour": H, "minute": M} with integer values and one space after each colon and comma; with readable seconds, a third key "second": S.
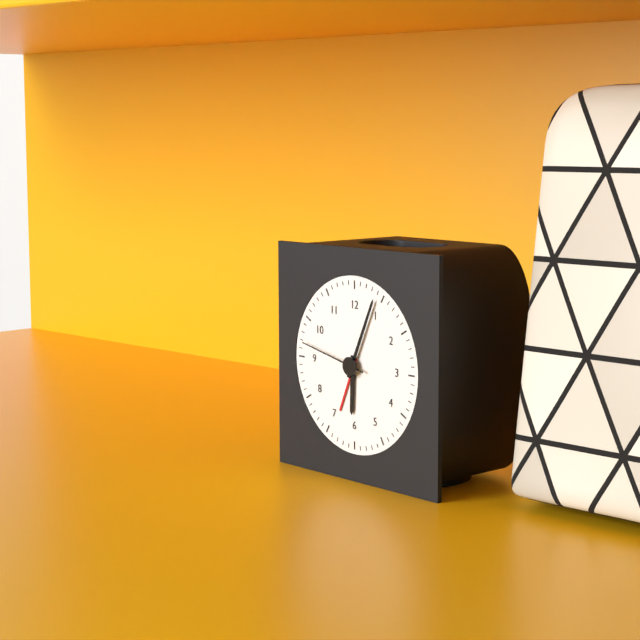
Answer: {"hour": 6, "minute": 4, "second": 47}
